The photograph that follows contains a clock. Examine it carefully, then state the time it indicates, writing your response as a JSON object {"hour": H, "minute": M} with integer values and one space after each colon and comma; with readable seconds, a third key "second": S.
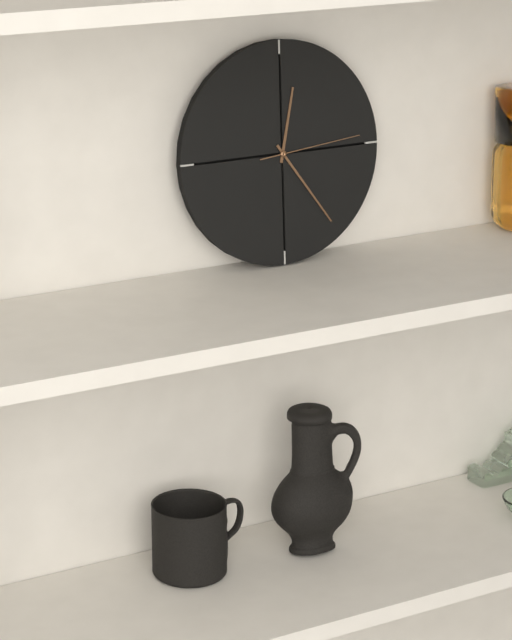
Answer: {"hour": 12, "minute": 24, "second": 14}
